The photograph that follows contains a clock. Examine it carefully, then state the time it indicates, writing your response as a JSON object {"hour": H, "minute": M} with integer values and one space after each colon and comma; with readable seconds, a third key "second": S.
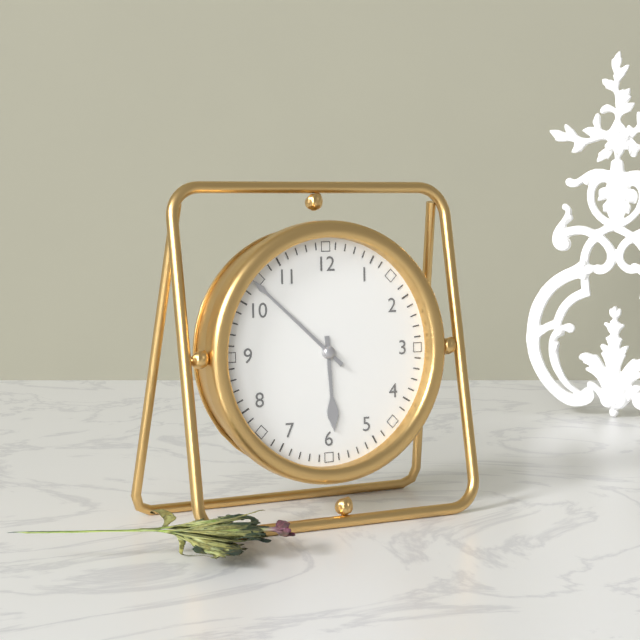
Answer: {"hour": 5, "minute": 52}
